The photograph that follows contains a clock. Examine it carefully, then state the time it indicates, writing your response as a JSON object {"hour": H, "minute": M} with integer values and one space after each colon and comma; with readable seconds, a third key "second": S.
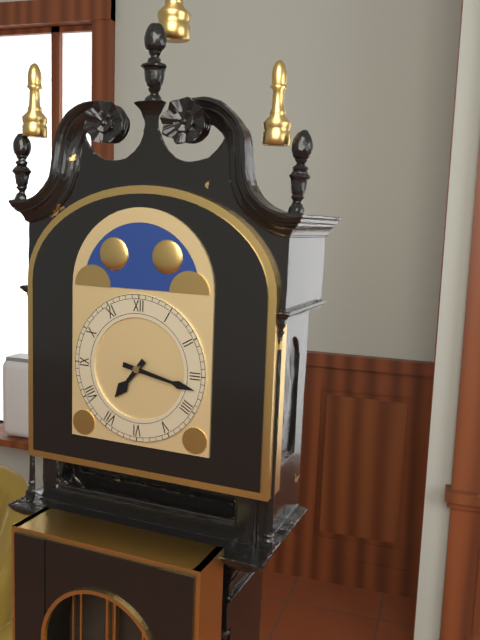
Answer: {"hour": 7, "minute": 17}
